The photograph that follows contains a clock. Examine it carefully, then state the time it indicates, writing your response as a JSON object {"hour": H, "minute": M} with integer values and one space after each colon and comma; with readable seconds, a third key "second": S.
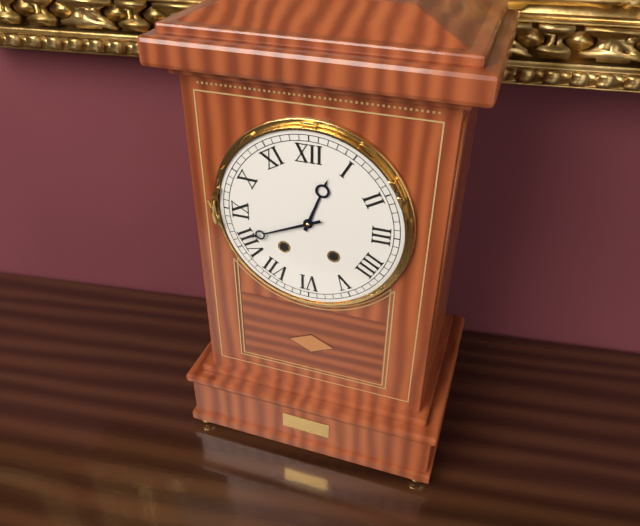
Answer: {"hour": 12, "minute": 41}
